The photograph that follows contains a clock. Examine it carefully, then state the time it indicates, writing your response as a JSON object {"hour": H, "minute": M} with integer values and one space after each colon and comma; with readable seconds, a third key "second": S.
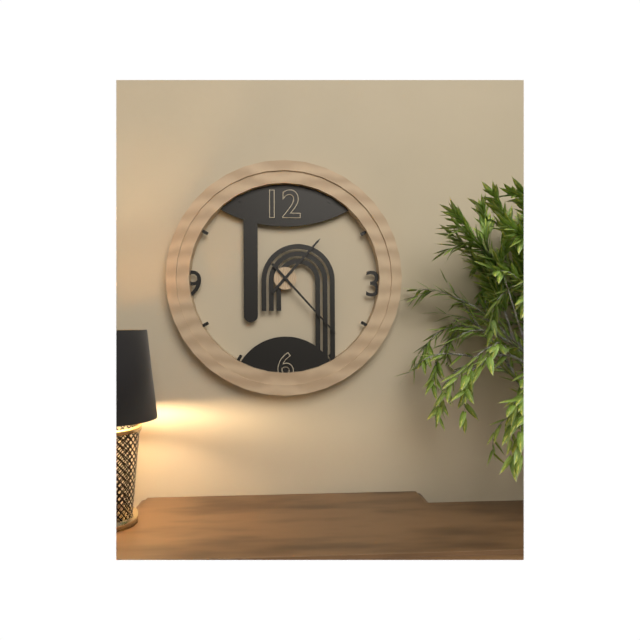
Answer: {"hour": 1, "minute": 23}
